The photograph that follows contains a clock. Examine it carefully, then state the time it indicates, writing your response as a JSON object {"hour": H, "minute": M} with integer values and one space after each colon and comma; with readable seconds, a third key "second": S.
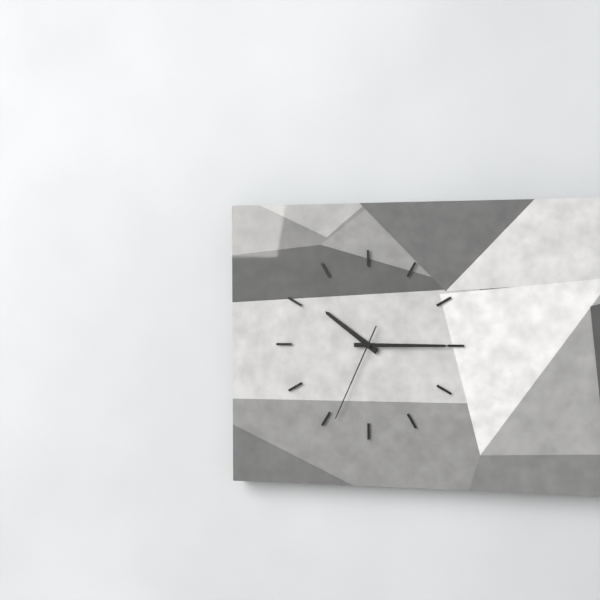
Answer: {"hour": 10, "minute": 15, "second": 34}
